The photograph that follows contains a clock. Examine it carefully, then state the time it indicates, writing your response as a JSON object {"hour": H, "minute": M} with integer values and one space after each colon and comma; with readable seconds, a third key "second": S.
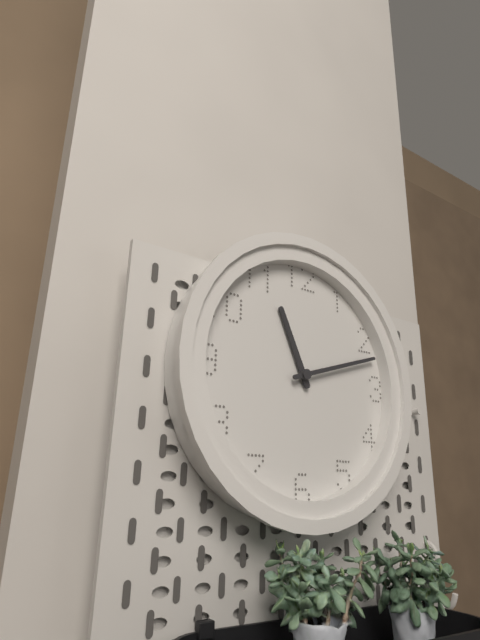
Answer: {"hour": 11, "minute": 12}
